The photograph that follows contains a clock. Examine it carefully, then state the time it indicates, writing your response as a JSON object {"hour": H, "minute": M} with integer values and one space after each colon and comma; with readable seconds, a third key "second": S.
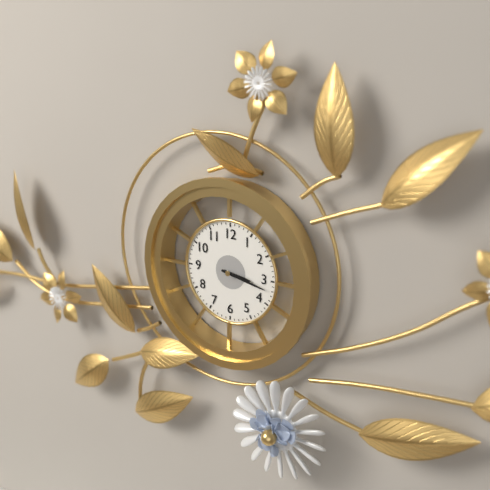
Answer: {"hour": 3, "minute": 17}
